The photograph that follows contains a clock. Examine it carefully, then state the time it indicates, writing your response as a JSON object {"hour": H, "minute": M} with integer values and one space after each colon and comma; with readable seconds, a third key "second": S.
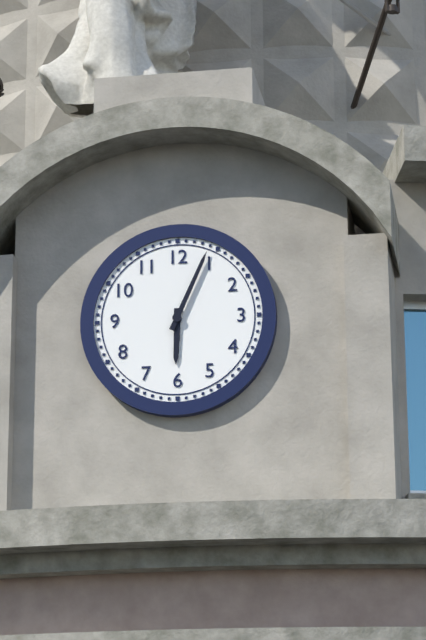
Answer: {"hour": 6, "minute": 4}
